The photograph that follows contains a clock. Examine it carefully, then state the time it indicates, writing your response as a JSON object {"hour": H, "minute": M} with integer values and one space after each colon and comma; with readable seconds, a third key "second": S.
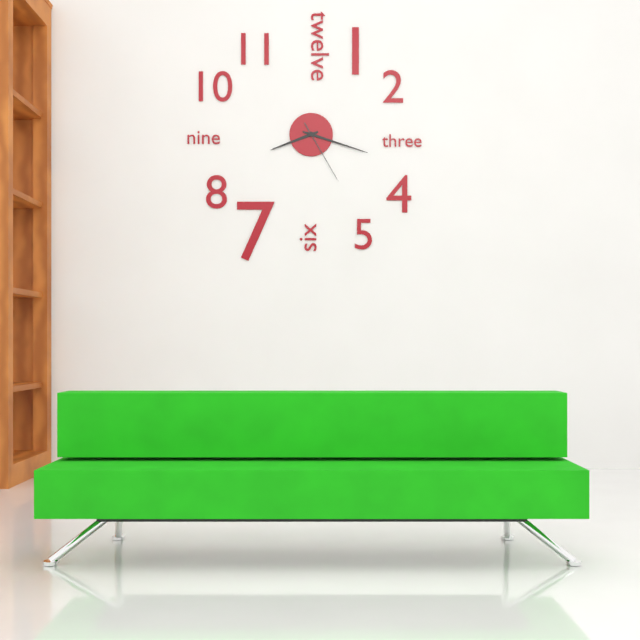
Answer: {"hour": 8, "minute": 18, "second": 25}
